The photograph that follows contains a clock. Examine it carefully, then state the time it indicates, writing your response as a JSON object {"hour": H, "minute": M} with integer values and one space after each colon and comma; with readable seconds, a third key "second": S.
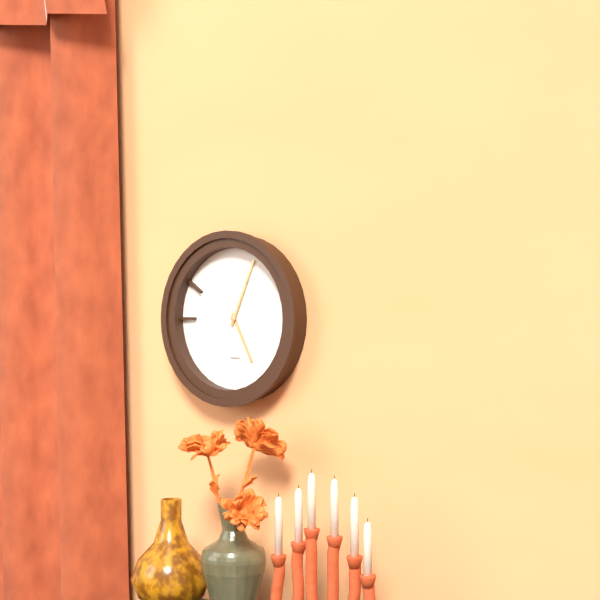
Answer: {"hour": 5, "minute": 4}
